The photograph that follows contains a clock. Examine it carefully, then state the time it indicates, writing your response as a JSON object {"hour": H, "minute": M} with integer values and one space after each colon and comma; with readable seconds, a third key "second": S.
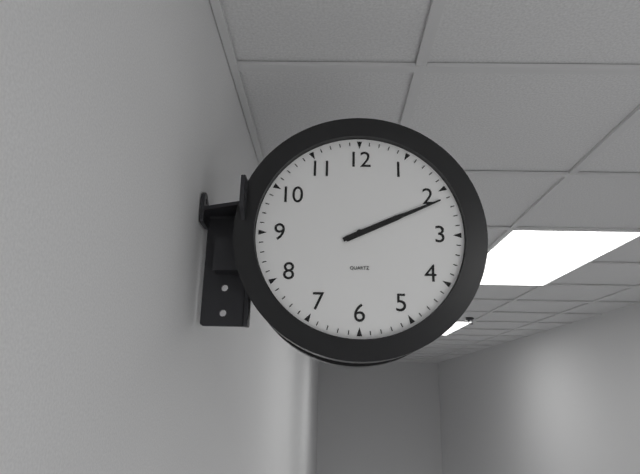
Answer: {"hour": 2, "minute": 11}
